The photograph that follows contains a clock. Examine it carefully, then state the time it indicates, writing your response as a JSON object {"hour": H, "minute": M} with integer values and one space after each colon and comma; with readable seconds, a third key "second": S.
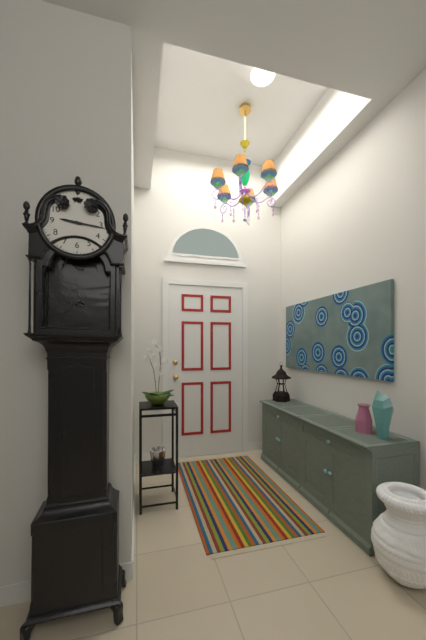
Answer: {"hour": 9, "minute": 16}
